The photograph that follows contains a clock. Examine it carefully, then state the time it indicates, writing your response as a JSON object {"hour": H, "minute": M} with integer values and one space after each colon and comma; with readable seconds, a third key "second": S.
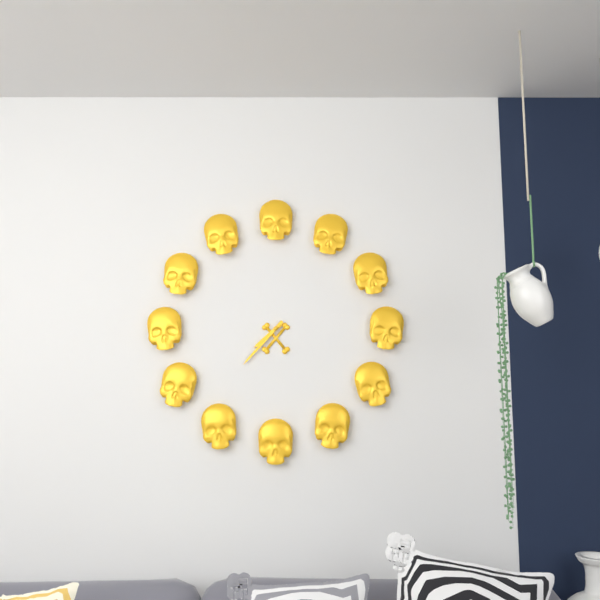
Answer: {"hour": 7, "minute": 37}
